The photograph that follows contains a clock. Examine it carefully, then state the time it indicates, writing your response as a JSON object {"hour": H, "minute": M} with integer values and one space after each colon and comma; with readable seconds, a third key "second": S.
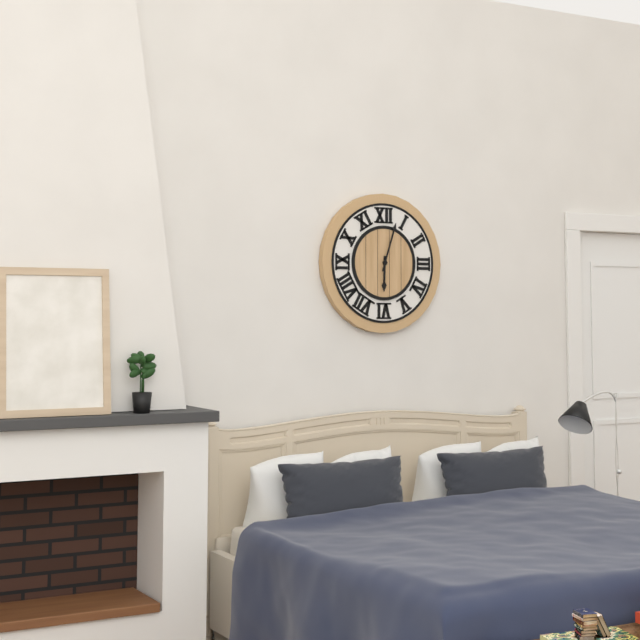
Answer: {"hour": 6, "minute": 3}
